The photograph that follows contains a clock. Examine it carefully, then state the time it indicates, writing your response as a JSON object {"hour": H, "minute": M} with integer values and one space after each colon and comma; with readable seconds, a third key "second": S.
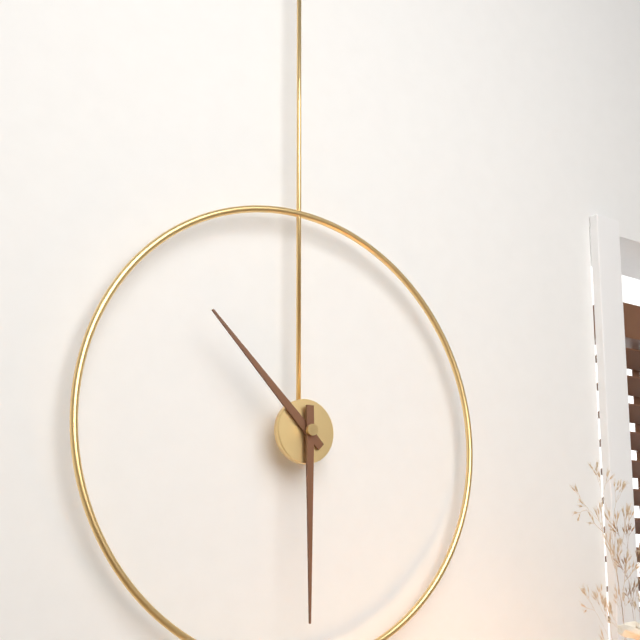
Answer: {"hour": 10, "minute": 30}
